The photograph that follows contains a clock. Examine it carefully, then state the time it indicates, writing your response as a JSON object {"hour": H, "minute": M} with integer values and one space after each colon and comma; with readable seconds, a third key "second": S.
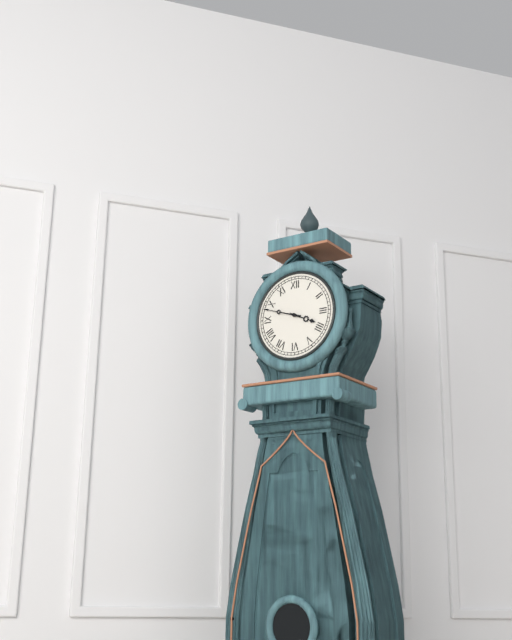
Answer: {"hour": 3, "minute": 48}
